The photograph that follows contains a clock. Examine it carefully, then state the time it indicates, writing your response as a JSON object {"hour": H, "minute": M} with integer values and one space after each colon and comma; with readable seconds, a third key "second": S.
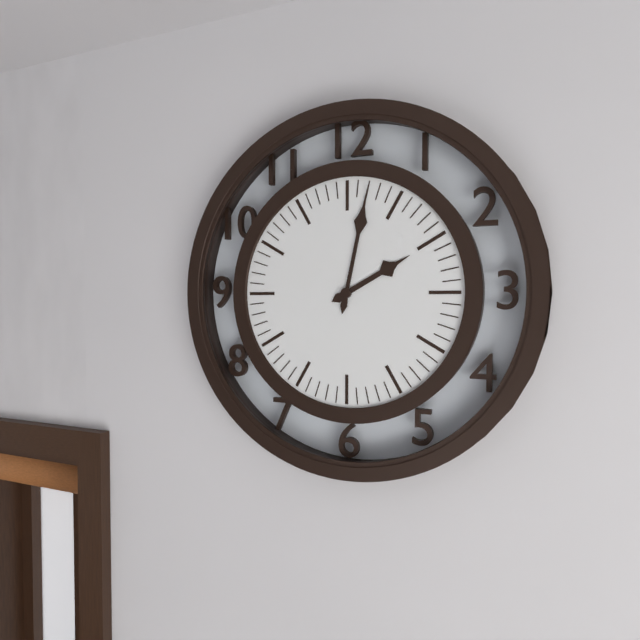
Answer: {"hour": 2, "minute": 2}
